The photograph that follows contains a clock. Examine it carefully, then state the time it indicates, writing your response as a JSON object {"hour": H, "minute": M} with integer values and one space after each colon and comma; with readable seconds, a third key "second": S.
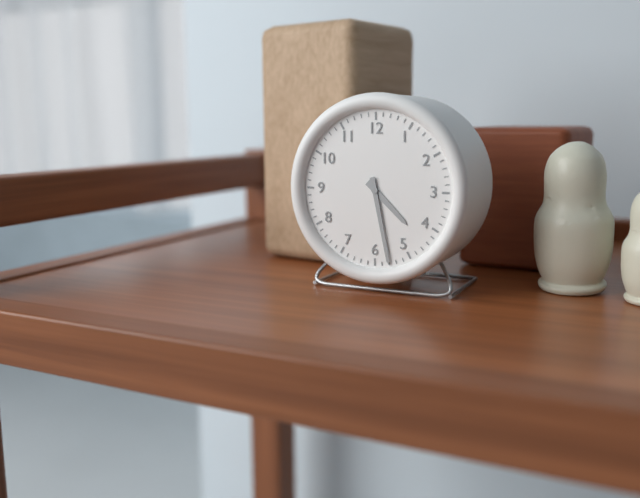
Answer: {"hour": 4, "minute": 28}
